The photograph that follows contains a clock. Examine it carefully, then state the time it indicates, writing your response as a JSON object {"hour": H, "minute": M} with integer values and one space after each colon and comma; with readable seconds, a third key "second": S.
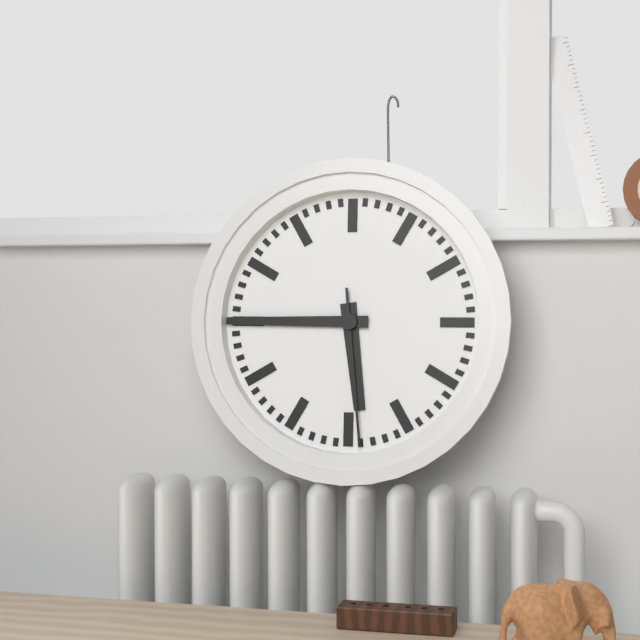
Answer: {"hour": 5, "minute": 45, "second": 29}
